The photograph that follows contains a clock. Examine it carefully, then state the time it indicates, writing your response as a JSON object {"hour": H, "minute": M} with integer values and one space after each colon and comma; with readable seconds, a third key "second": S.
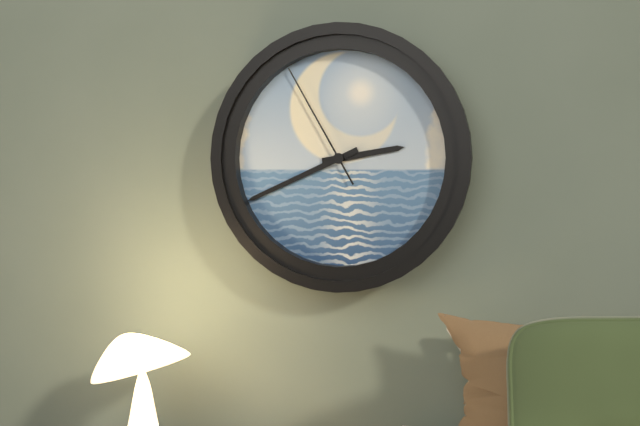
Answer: {"hour": 2, "minute": 41, "second": 55}
